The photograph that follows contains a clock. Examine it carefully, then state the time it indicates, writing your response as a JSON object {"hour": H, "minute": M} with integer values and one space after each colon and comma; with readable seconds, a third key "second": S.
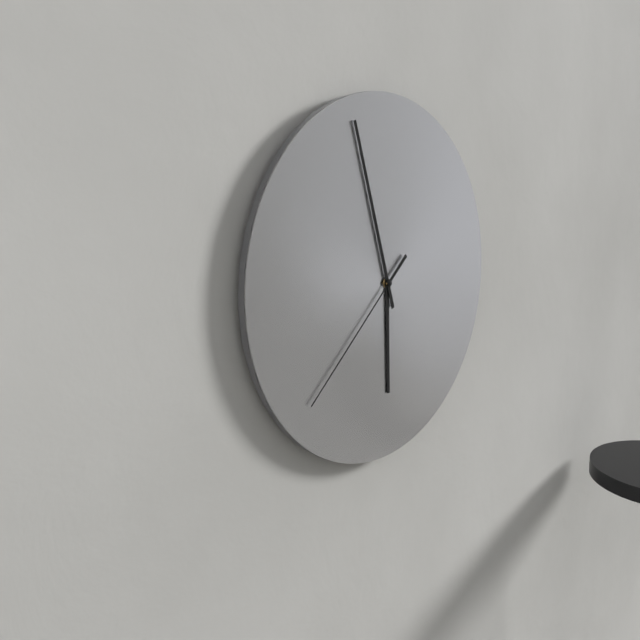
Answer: {"hour": 5, "minute": 57, "second": 38}
